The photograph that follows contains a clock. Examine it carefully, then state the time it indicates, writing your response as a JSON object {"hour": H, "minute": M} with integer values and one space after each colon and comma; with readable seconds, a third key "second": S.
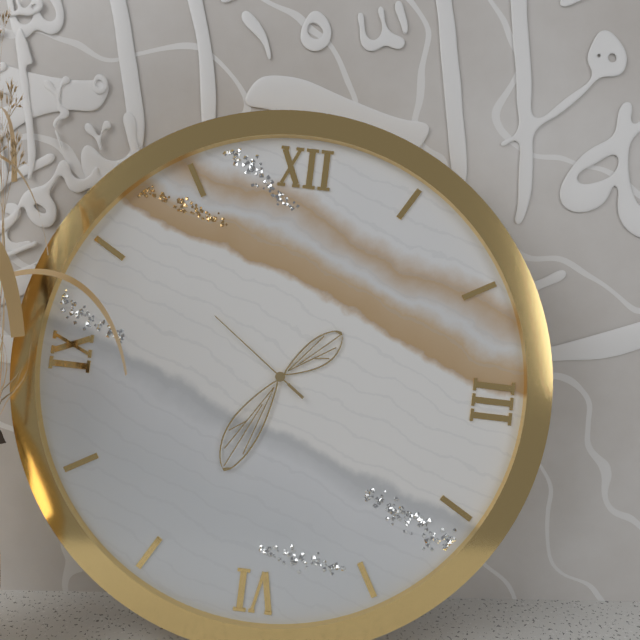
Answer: {"hour": 1, "minute": 34, "second": 51}
